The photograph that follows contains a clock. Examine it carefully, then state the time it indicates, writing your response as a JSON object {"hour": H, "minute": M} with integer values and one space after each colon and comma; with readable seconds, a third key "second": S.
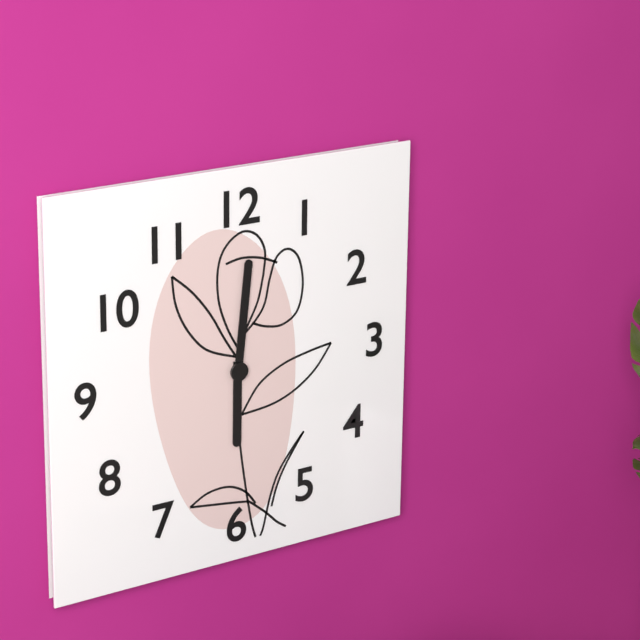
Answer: {"hour": 6, "minute": 1}
